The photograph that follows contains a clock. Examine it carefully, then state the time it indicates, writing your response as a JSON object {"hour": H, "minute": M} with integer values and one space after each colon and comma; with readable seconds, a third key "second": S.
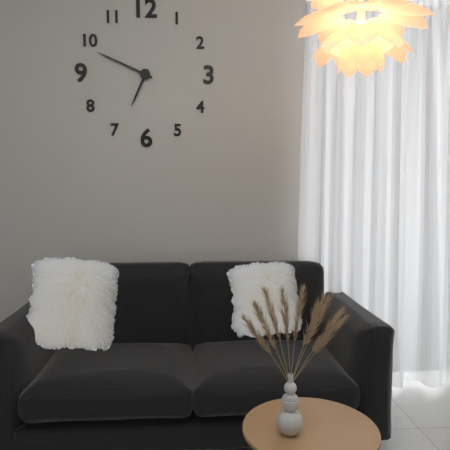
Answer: {"hour": 6, "minute": 49}
